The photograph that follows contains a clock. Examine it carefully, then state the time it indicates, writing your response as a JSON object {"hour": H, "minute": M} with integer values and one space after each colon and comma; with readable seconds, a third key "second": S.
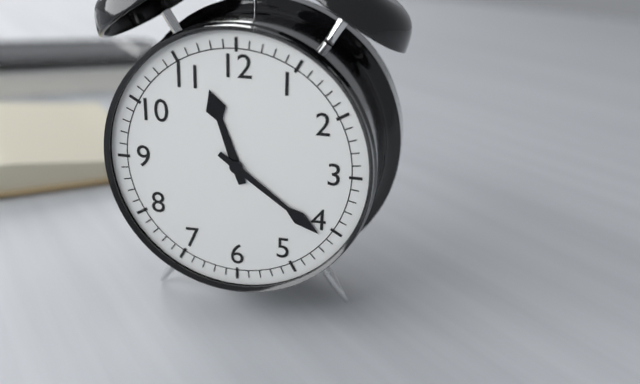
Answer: {"hour": 11, "minute": 21}
